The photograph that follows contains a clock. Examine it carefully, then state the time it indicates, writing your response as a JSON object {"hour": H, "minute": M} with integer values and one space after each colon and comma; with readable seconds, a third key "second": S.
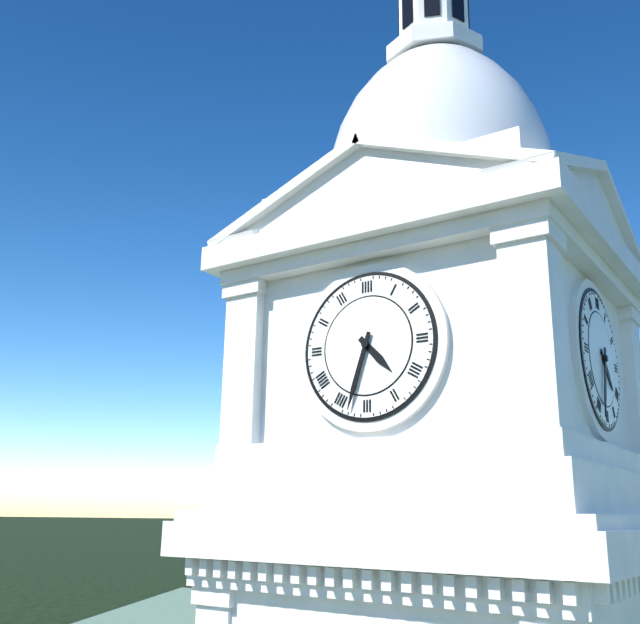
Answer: {"hour": 4, "minute": 33}
